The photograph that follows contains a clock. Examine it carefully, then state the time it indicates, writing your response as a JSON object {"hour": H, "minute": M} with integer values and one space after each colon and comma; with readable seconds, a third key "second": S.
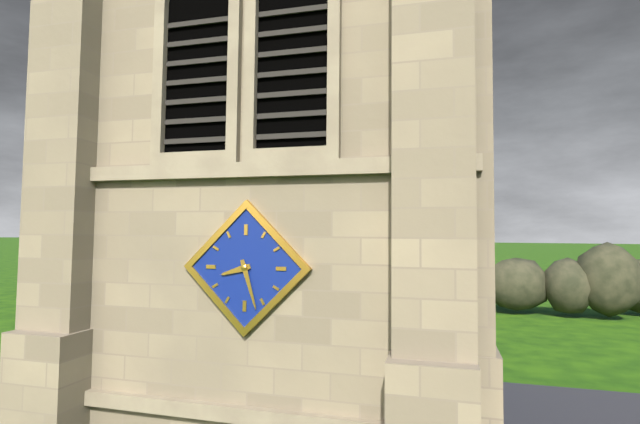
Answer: {"hour": 8, "minute": 27}
